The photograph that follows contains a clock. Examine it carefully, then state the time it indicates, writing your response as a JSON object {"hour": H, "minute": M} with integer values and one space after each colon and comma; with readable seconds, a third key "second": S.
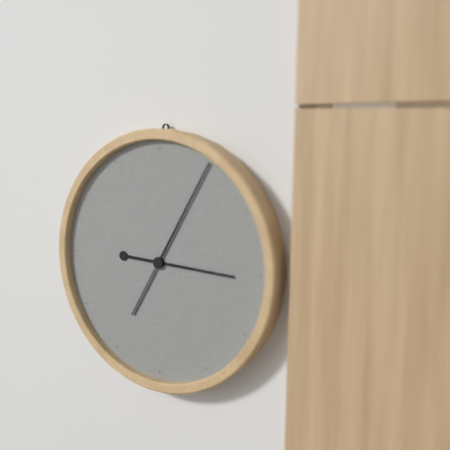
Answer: {"hour": 3, "minute": 5}
